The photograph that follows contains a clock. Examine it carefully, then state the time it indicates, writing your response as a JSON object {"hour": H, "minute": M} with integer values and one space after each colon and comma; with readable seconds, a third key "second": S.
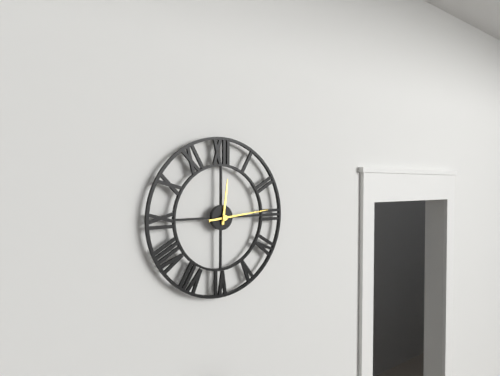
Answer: {"hour": 12, "minute": 14}
